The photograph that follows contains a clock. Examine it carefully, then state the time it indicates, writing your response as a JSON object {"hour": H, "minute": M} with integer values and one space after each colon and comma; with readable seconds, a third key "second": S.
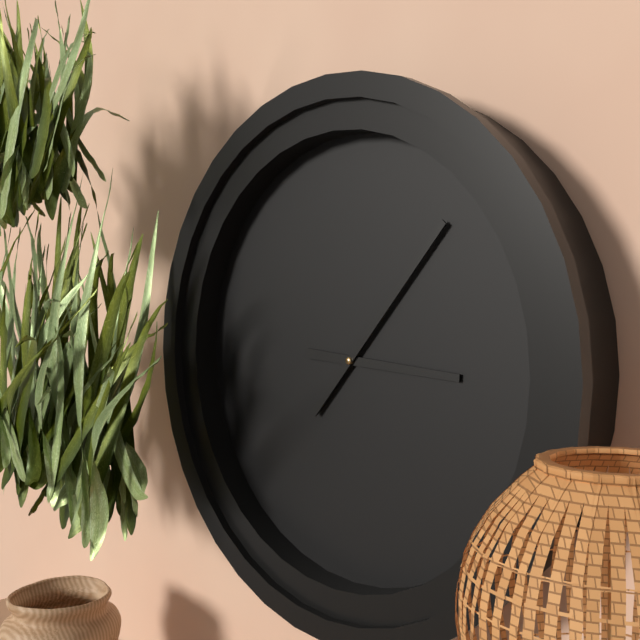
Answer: {"hour": 3, "minute": 7}
